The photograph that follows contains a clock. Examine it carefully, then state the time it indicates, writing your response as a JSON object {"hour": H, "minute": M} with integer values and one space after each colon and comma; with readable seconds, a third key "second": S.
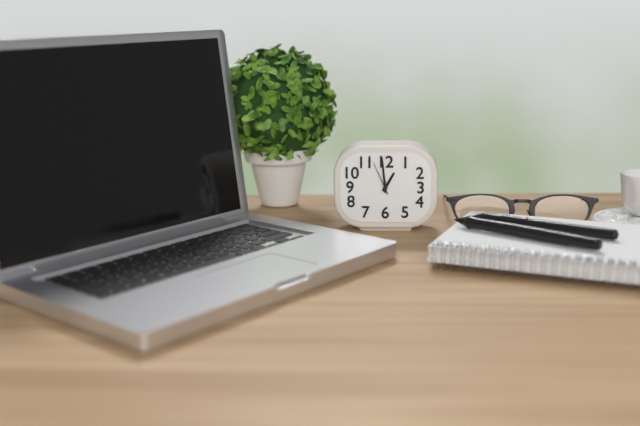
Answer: {"hour": 12, "minute": 59}
